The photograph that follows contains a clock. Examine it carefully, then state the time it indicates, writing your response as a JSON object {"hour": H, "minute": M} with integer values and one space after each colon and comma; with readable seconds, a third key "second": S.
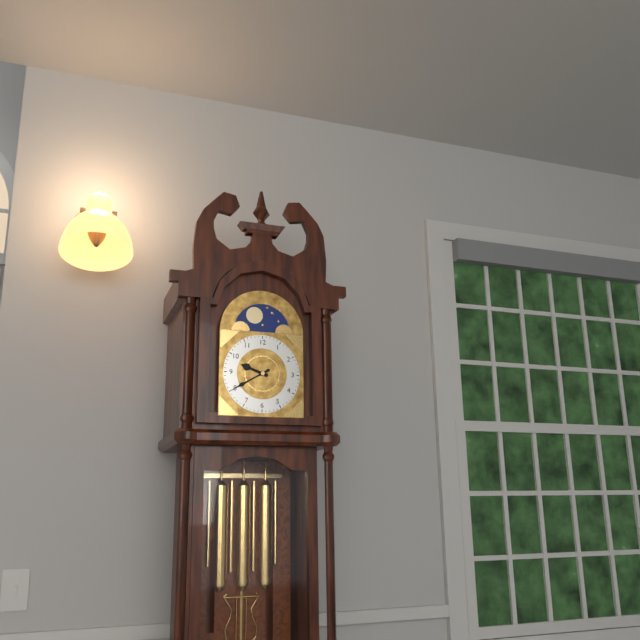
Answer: {"hour": 9, "minute": 40}
